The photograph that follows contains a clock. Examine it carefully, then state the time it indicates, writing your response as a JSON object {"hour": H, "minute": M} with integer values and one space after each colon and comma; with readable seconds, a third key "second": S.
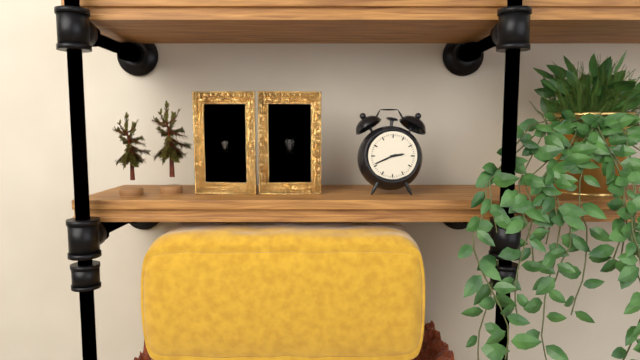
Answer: {"hour": 2, "minute": 41}
